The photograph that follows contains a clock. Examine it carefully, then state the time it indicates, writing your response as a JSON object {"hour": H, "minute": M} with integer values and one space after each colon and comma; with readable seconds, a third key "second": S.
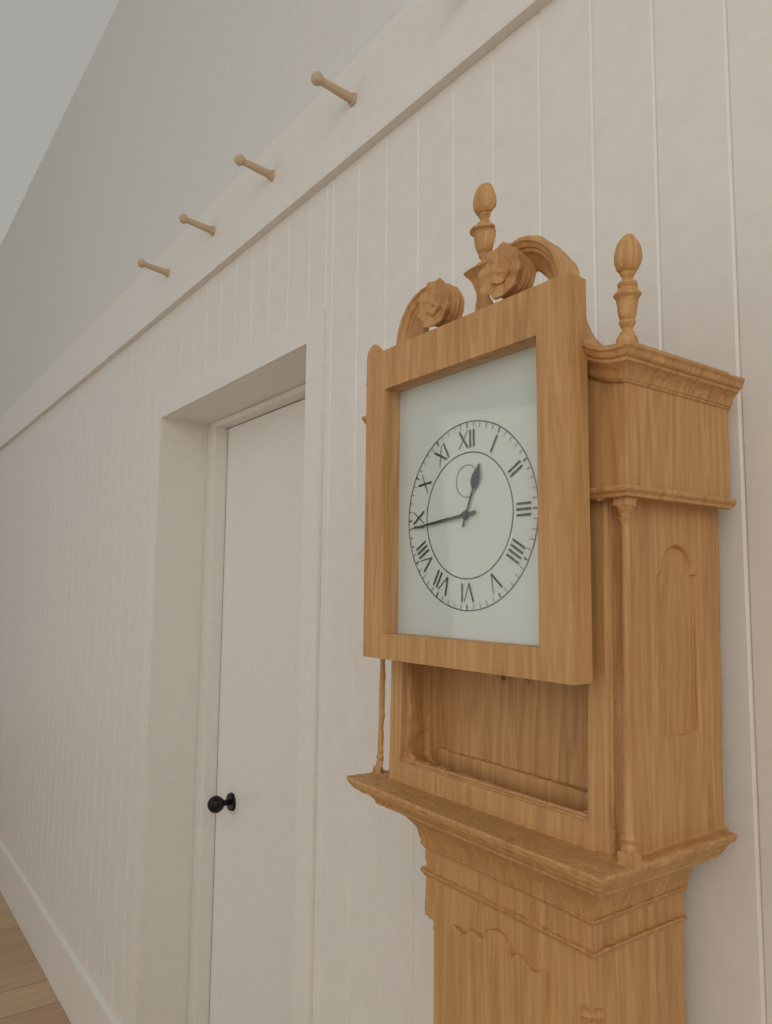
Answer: {"hour": 12, "minute": 44}
